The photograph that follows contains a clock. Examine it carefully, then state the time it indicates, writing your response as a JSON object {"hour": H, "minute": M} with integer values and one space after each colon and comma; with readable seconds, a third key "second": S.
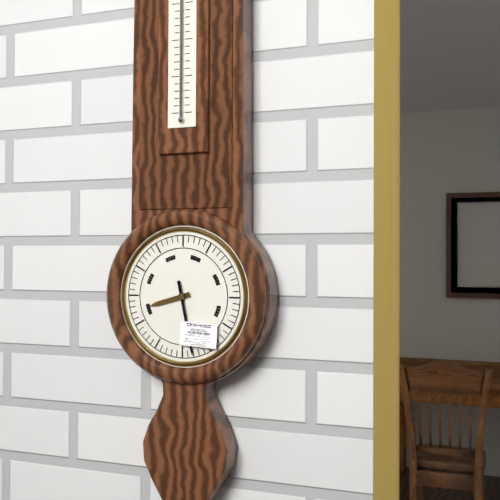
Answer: {"hour": 8, "minute": 28}
